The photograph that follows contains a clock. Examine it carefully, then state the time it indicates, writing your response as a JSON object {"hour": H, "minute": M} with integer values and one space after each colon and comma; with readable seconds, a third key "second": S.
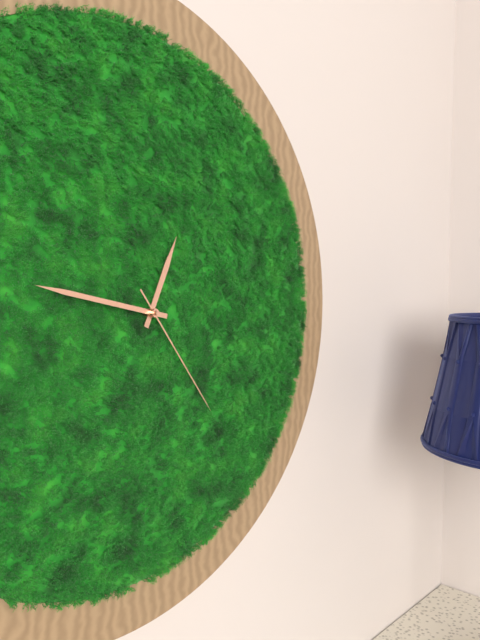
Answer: {"hour": 12, "minute": 47, "second": 24}
